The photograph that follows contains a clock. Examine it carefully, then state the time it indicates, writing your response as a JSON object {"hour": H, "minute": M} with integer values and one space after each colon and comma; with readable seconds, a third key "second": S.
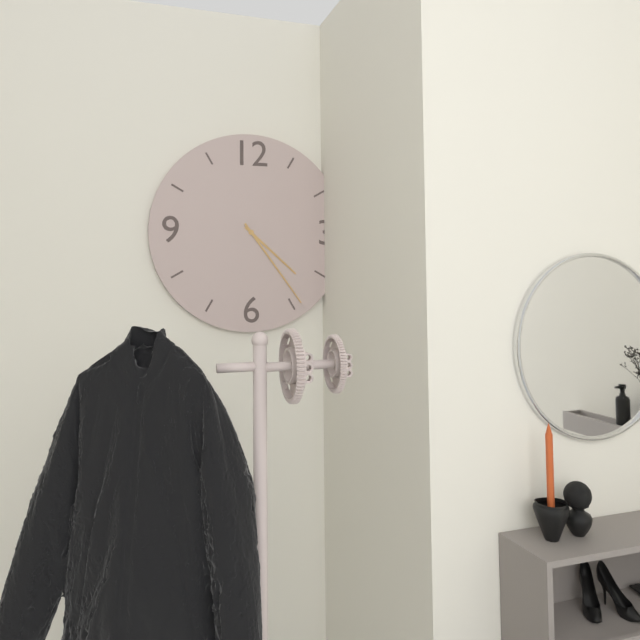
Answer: {"hour": 4, "minute": 24}
